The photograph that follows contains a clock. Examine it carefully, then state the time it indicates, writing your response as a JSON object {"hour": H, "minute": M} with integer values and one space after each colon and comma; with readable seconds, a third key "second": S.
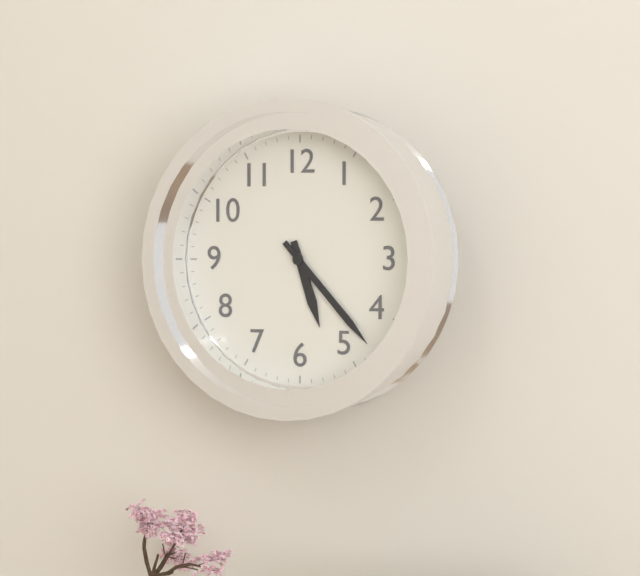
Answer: {"hour": 5, "minute": 23}
